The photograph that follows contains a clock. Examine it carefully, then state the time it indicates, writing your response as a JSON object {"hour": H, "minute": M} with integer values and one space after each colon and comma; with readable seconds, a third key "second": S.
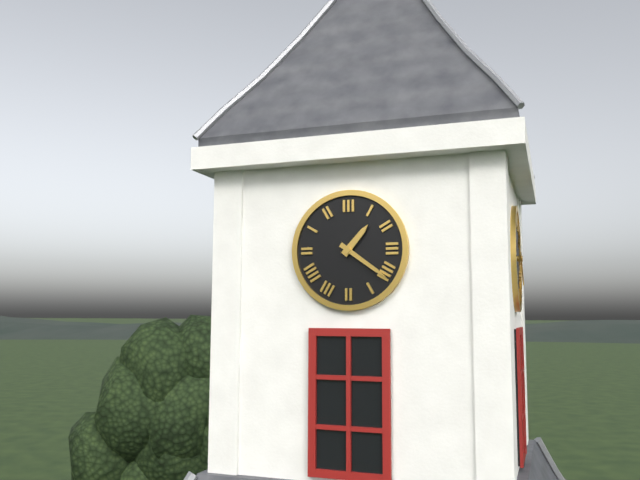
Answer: {"hour": 1, "minute": 21}
